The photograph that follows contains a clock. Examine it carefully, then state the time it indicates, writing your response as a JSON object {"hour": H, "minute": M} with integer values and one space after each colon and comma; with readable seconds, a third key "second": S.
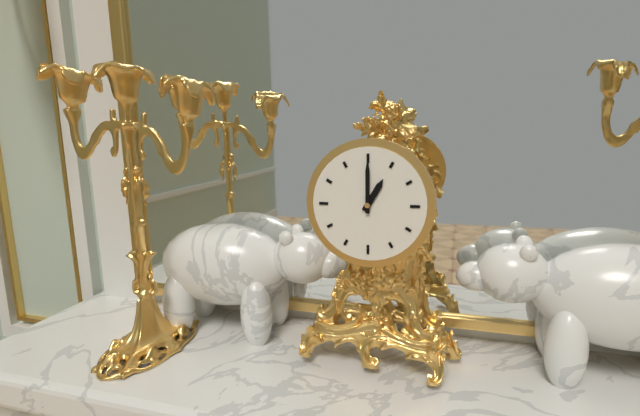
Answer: {"hour": 1, "minute": 0}
